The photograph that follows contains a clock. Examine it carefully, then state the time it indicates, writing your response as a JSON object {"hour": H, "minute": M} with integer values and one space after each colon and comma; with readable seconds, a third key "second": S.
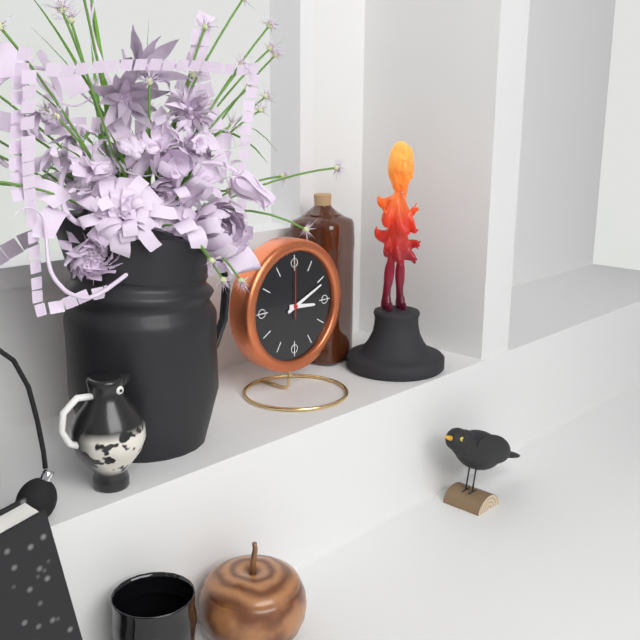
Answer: {"hour": 3, "minute": 11, "second": 0}
